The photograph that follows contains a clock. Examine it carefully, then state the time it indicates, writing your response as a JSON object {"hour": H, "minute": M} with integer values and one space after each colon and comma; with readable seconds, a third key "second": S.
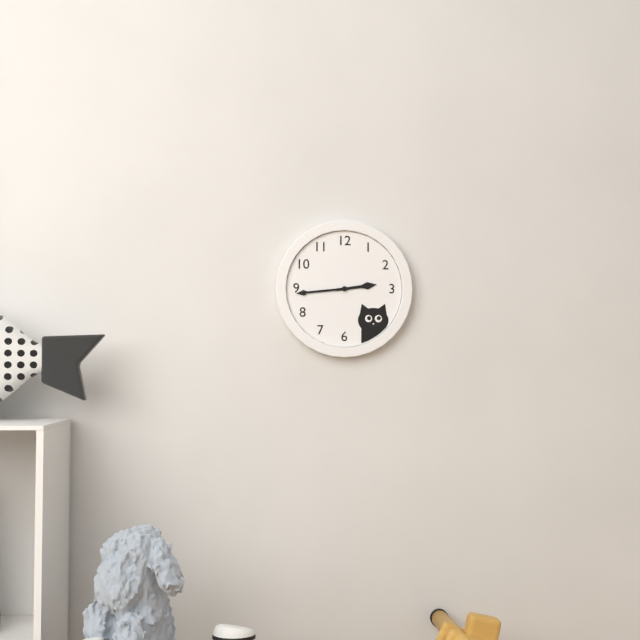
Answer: {"hour": 2, "minute": 44}
